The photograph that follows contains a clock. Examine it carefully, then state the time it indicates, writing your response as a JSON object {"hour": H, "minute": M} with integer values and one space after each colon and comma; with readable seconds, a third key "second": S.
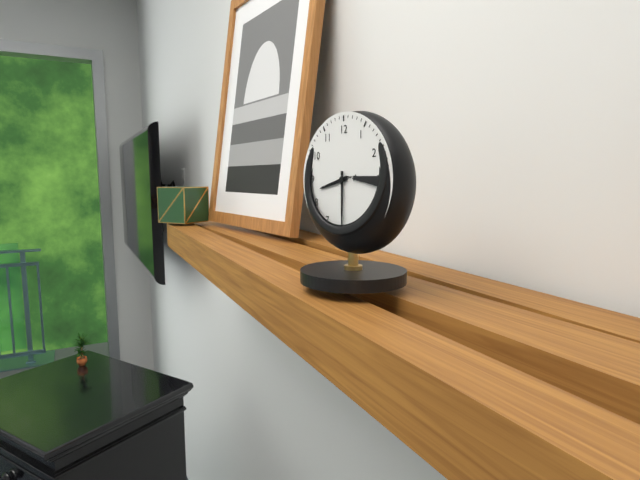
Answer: {"hour": 8, "minute": 30}
